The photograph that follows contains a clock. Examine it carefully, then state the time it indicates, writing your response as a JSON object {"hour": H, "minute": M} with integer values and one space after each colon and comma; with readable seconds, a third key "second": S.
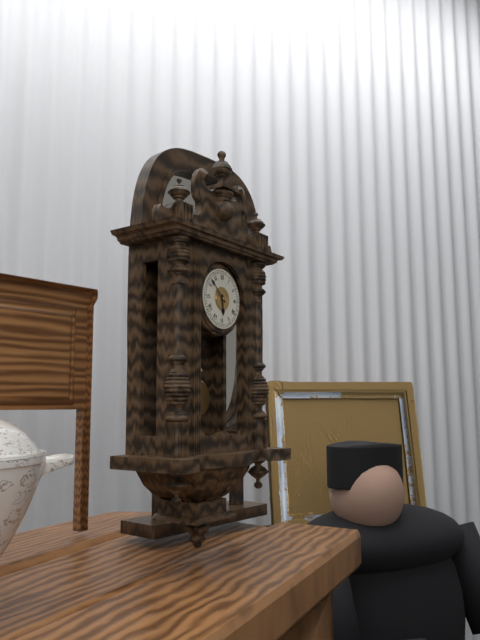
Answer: {"hour": 5, "minute": 52}
